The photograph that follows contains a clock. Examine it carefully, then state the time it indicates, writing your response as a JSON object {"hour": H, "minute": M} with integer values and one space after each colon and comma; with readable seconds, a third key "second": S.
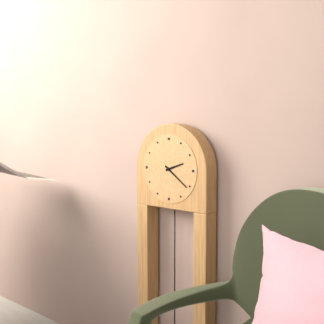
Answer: {"hour": 2, "minute": 21}
